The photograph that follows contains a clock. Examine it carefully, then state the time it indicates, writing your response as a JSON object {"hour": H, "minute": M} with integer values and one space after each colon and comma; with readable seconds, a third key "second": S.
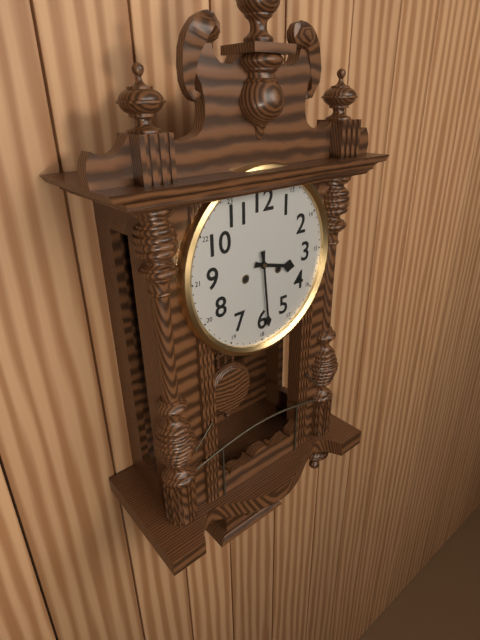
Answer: {"hour": 3, "minute": 29}
